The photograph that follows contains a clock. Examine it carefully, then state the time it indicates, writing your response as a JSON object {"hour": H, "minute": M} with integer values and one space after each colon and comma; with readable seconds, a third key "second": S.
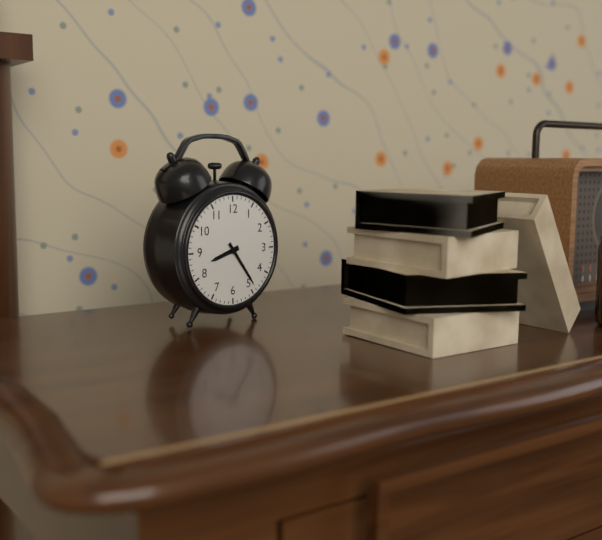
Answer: {"hour": 8, "minute": 24}
